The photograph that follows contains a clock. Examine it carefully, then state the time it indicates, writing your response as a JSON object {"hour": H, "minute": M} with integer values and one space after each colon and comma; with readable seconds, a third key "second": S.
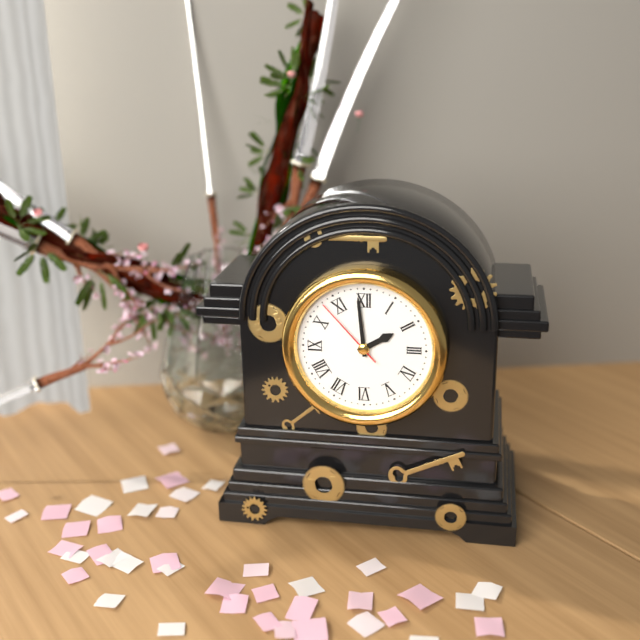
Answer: {"hour": 1, "minute": 59, "second": 53}
